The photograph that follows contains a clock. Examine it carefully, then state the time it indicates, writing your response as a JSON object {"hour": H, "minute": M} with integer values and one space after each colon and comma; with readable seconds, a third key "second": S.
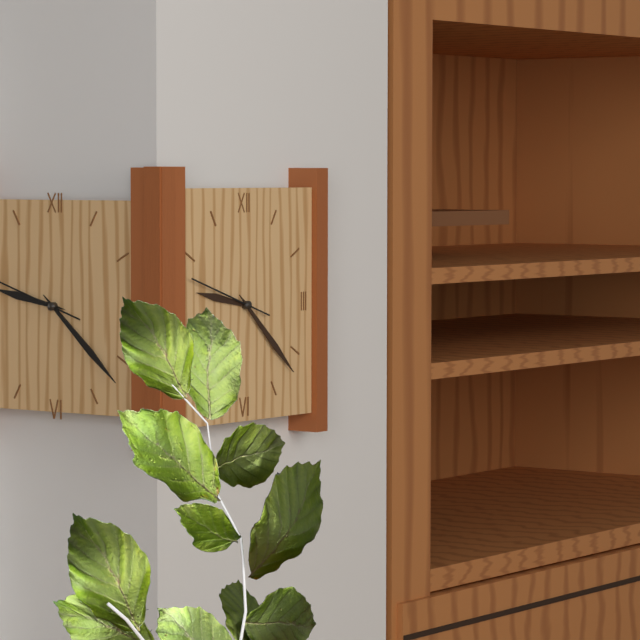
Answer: {"hour": 9, "minute": 22, "second": 48}
